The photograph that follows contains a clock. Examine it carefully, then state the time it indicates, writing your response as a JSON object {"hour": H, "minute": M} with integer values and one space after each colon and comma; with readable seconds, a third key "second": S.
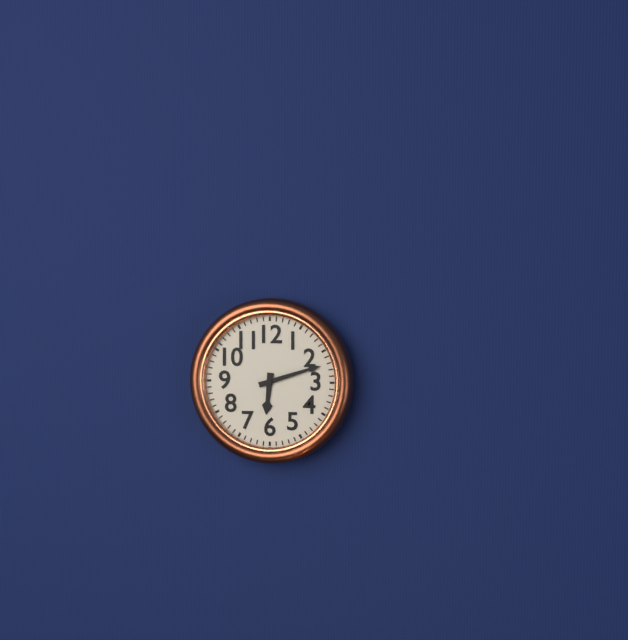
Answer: {"hour": 6, "minute": 12}
